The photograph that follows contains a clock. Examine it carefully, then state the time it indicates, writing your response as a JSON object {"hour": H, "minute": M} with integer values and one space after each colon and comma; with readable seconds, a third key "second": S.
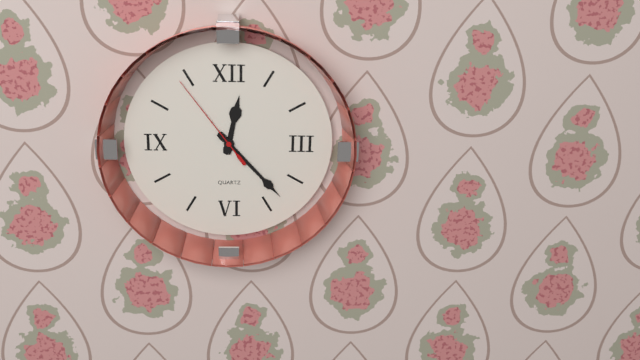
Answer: {"hour": 12, "minute": 23, "second": 54}
